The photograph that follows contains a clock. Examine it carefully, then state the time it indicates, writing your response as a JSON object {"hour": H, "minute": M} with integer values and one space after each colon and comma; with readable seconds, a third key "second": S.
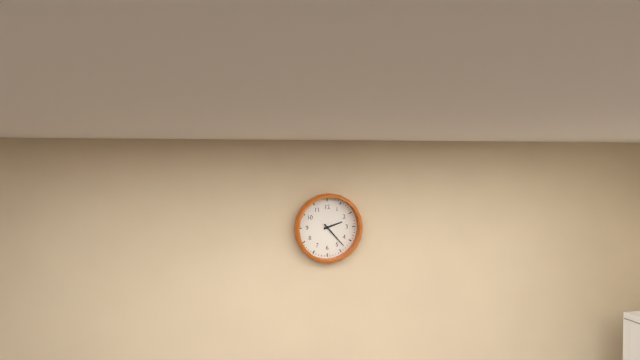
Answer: {"hour": 2, "minute": 23}
